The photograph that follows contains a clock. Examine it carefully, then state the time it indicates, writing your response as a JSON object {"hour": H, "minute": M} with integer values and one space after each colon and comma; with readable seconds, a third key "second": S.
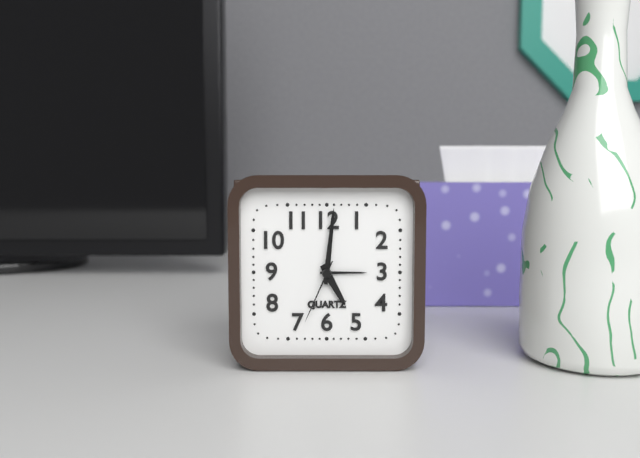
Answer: {"hour": 5, "minute": 1, "second": 34}
